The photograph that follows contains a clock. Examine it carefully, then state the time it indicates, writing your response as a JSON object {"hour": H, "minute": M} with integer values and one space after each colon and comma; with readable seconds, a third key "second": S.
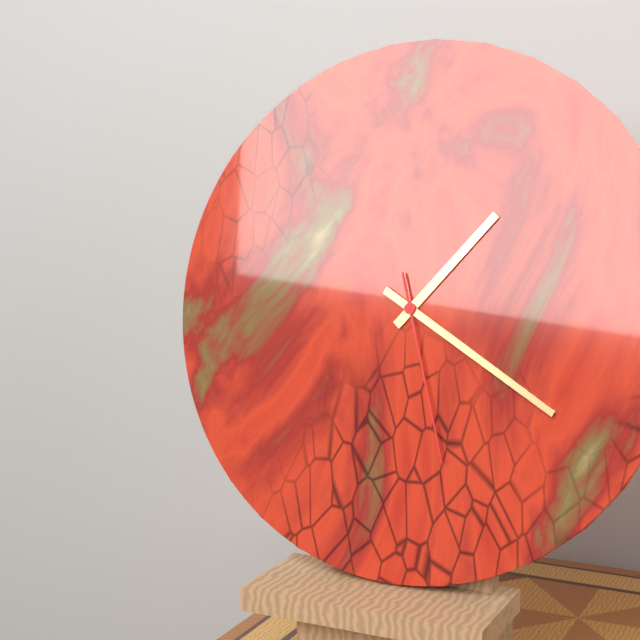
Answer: {"hour": 1, "minute": 20, "second": 27}
